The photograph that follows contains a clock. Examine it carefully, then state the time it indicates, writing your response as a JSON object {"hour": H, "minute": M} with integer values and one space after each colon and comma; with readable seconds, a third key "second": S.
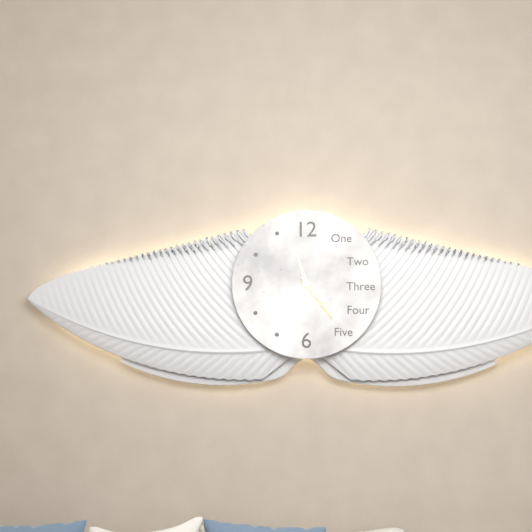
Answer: {"hour": 11, "minute": 24}
